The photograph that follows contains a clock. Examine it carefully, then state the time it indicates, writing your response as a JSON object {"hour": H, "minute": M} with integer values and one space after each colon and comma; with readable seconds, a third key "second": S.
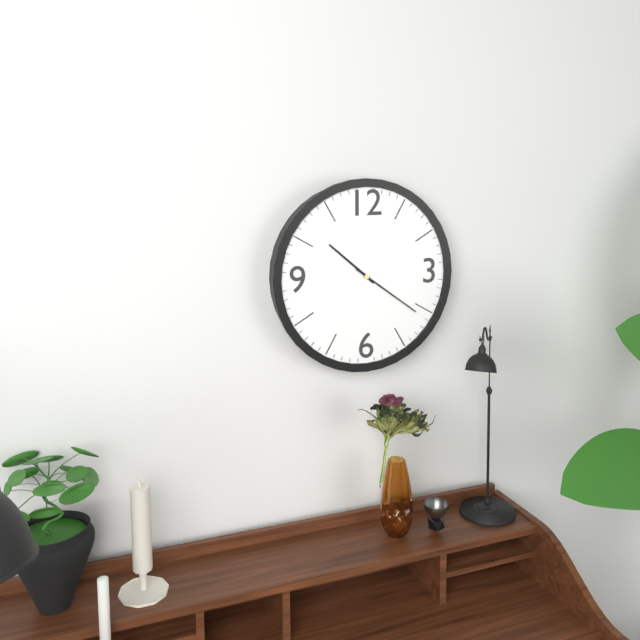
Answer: {"hour": 10, "minute": 21}
